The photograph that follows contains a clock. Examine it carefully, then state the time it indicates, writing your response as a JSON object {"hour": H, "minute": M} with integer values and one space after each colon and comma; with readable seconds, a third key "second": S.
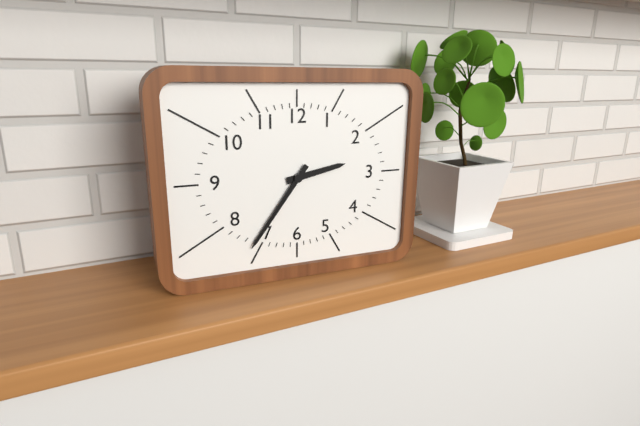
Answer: {"hour": 2, "minute": 36}
